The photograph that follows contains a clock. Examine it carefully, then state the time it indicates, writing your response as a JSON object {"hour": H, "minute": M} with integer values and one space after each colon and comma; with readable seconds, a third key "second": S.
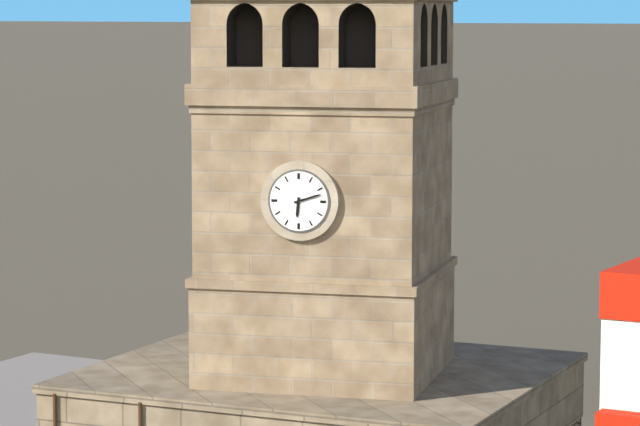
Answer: {"hour": 6, "minute": 12}
